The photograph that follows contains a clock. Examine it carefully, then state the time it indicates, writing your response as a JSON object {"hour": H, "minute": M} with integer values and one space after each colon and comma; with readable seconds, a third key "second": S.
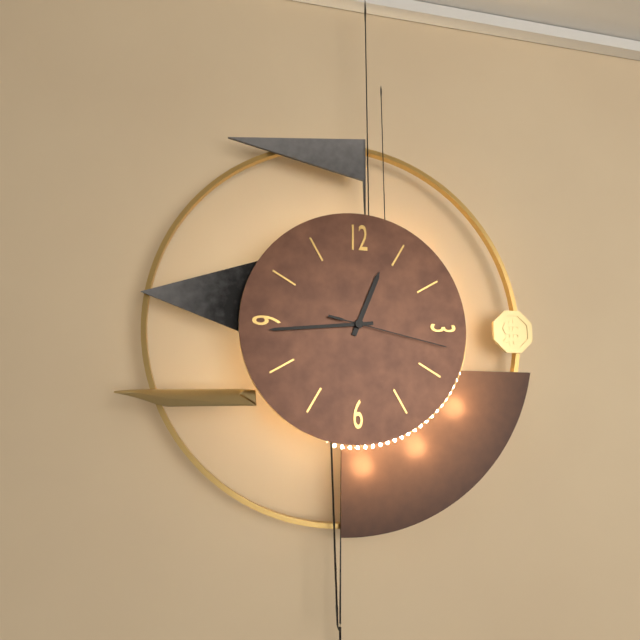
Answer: {"hour": 12, "minute": 44, "second": 17}
